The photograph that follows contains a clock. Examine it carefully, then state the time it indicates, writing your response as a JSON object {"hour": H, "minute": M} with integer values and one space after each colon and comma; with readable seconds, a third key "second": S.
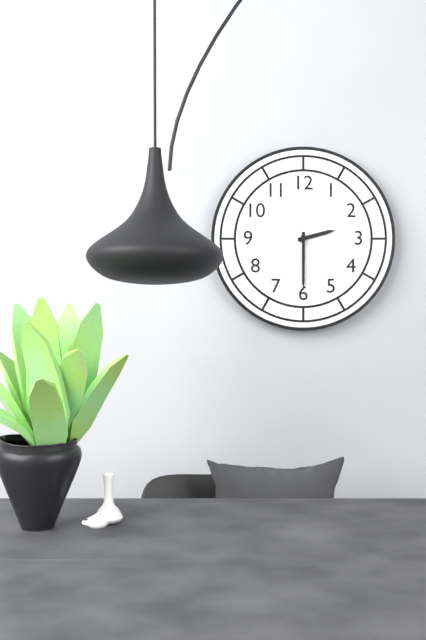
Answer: {"hour": 2, "minute": 30, "second": 53}
